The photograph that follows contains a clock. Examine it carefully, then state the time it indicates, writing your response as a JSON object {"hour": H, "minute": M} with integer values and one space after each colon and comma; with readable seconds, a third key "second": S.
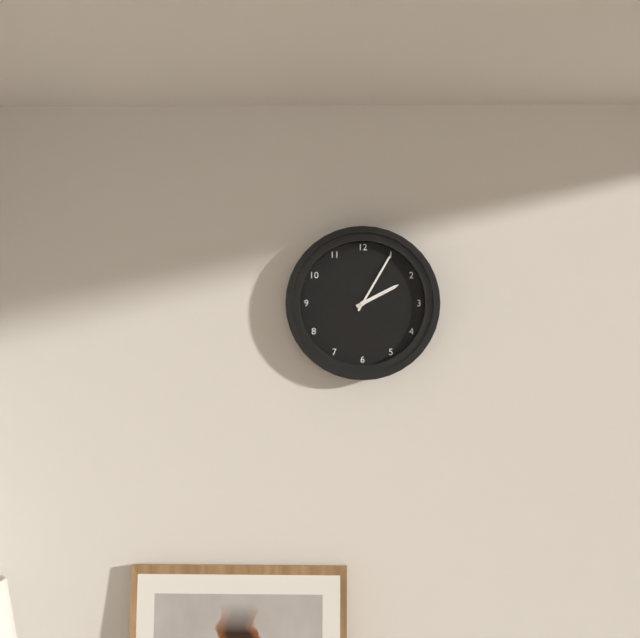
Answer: {"hour": 2, "minute": 5}
